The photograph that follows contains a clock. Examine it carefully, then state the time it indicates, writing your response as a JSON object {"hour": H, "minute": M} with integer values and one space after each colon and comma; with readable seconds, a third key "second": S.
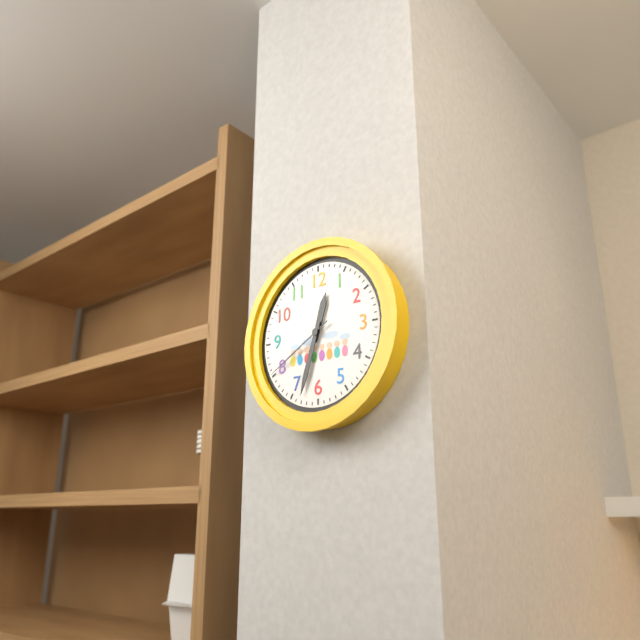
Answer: {"hour": 12, "minute": 33, "second": 40}
